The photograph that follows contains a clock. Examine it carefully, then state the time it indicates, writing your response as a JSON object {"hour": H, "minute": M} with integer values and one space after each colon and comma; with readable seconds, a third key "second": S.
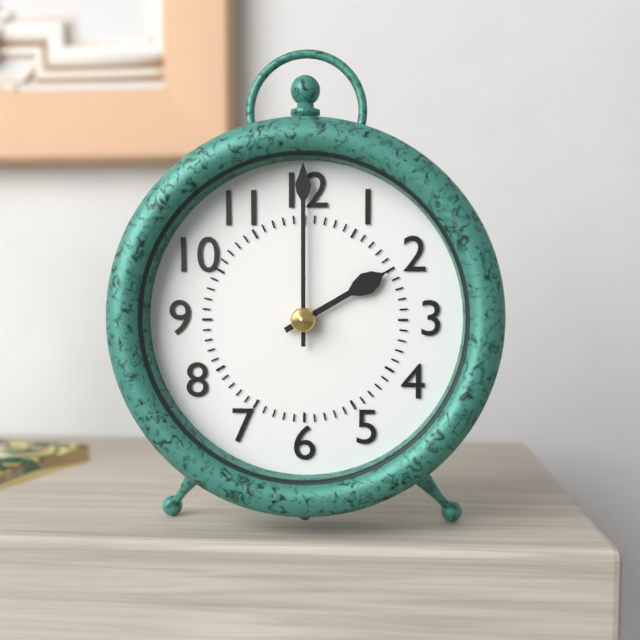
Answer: {"hour": 2, "minute": 0}
